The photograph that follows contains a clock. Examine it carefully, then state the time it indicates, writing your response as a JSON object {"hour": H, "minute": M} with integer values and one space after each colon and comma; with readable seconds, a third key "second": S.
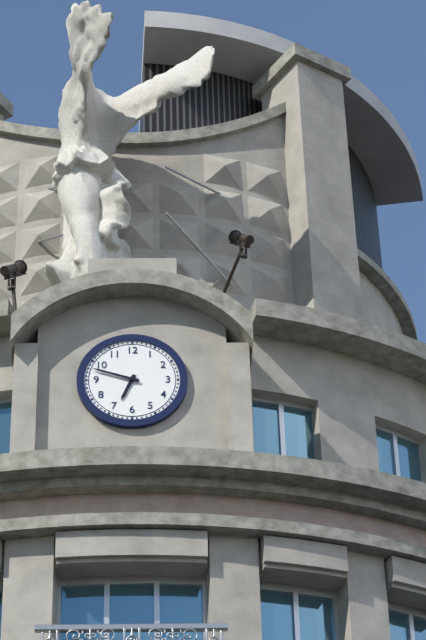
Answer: {"hour": 6, "minute": 48}
